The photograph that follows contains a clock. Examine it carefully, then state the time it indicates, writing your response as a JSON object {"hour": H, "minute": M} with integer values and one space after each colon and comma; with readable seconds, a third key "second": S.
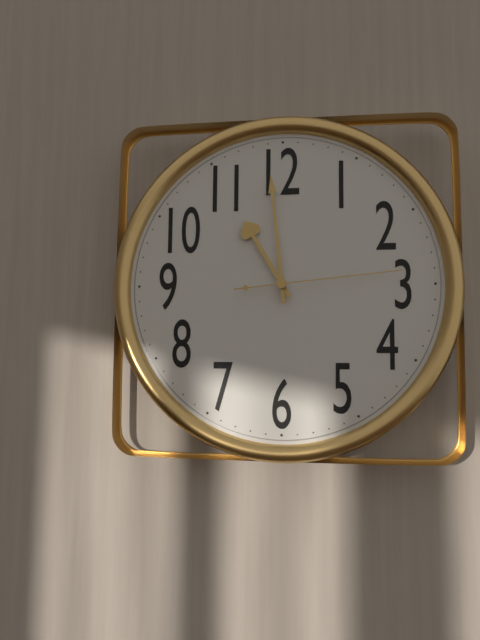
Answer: {"hour": 10, "minute": 59, "second": 14}
